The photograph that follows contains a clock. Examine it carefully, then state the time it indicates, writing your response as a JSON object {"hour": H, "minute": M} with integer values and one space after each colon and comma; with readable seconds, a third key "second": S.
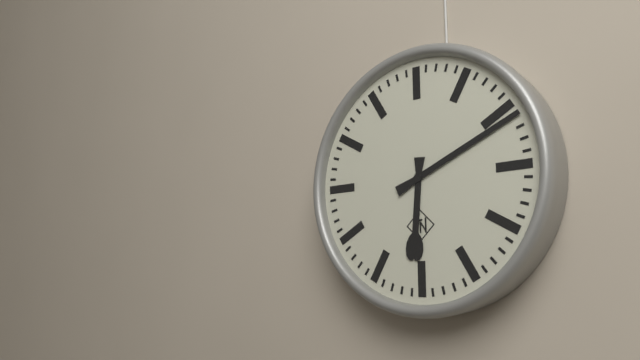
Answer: {"hour": 6, "minute": 11}
